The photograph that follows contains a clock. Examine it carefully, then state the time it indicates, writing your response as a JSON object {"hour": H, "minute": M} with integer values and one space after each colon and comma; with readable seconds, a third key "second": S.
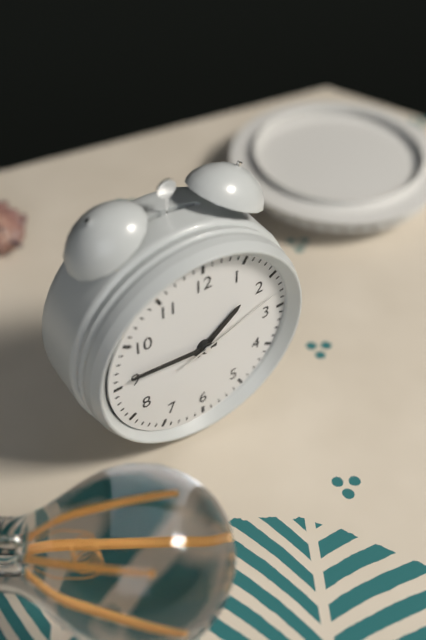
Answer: {"hour": 1, "minute": 46, "second": 12}
